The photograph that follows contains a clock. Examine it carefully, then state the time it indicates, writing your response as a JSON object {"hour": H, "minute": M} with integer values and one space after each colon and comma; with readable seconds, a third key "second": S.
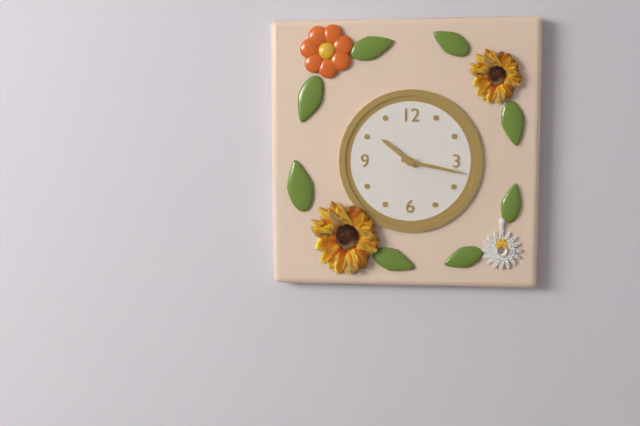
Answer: {"hour": 10, "minute": 17}
